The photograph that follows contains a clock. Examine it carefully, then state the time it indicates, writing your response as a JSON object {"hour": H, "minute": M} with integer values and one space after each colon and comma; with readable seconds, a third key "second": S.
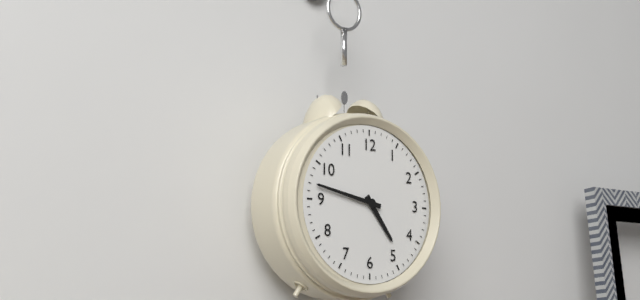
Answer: {"hour": 4, "minute": 47}
